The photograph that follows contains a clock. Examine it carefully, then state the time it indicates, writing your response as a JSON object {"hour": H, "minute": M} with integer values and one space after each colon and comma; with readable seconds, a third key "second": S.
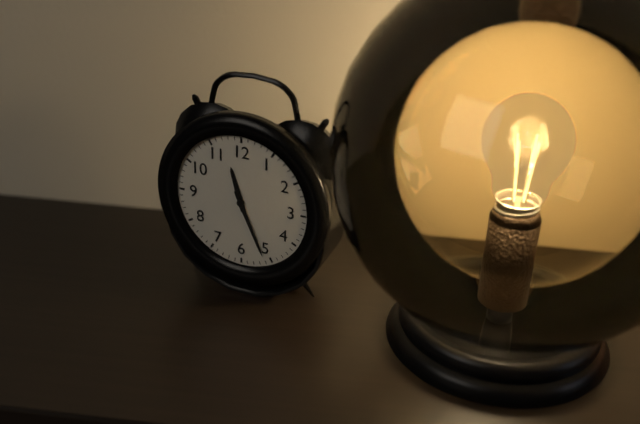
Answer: {"hour": 11, "minute": 26}
